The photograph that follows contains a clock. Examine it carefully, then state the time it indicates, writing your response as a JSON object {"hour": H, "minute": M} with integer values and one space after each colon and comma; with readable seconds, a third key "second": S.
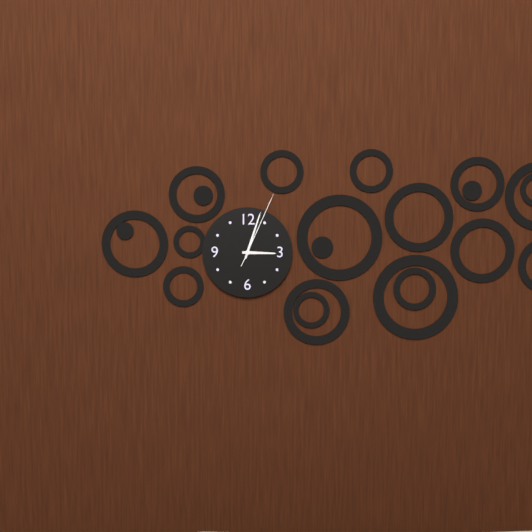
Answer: {"hour": 3, "minute": 3, "second": 4}
